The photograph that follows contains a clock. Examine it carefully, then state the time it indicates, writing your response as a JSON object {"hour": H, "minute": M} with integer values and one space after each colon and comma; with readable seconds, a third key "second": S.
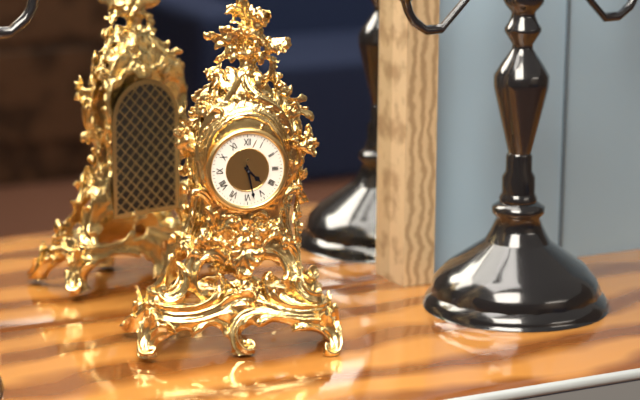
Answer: {"hour": 4, "minute": 28}
